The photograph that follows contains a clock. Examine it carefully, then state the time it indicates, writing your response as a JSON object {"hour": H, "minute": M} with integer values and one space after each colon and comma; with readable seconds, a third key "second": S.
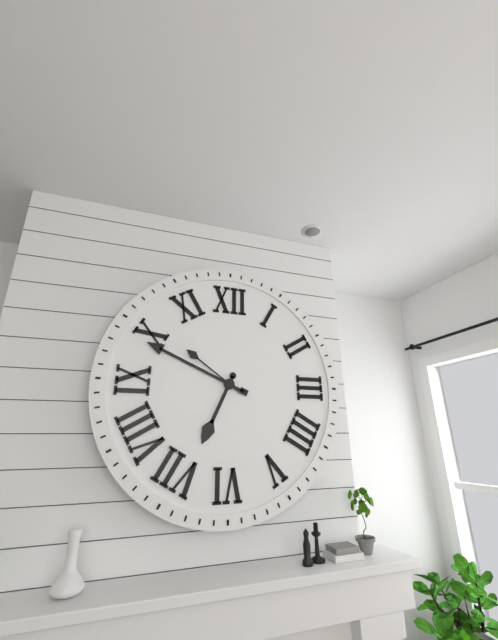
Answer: {"hour": 6, "minute": 49, "second": 51}
